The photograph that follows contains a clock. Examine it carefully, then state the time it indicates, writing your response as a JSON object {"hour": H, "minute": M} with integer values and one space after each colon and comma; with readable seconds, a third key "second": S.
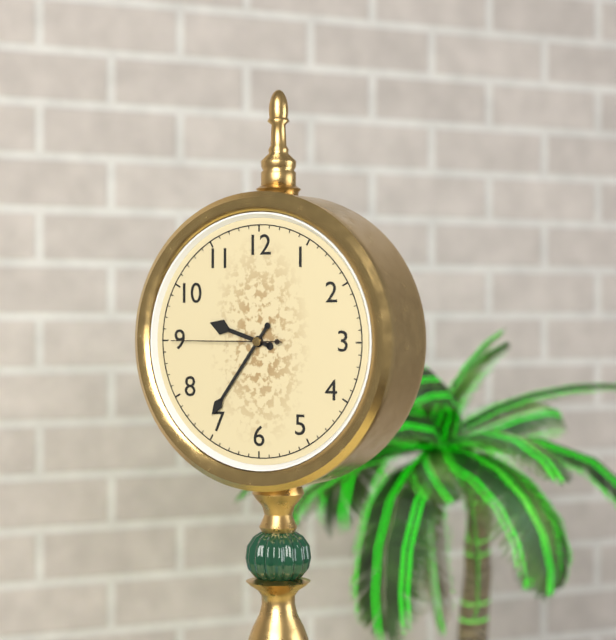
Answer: {"hour": 9, "minute": 36, "second": 45}
